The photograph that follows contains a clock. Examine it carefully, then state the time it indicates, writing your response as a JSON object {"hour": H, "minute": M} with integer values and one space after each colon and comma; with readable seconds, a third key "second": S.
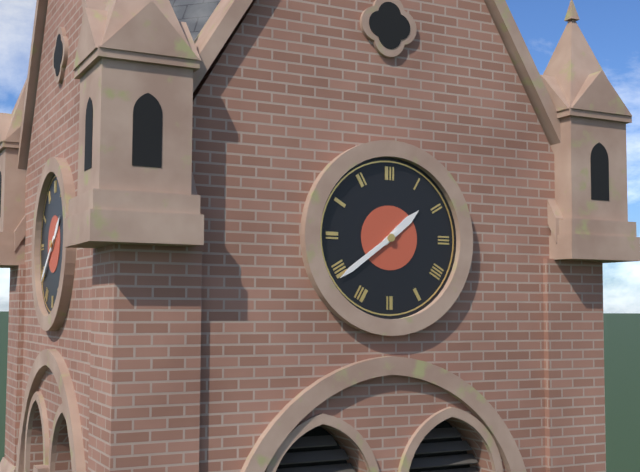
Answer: {"hour": 1, "minute": 39}
